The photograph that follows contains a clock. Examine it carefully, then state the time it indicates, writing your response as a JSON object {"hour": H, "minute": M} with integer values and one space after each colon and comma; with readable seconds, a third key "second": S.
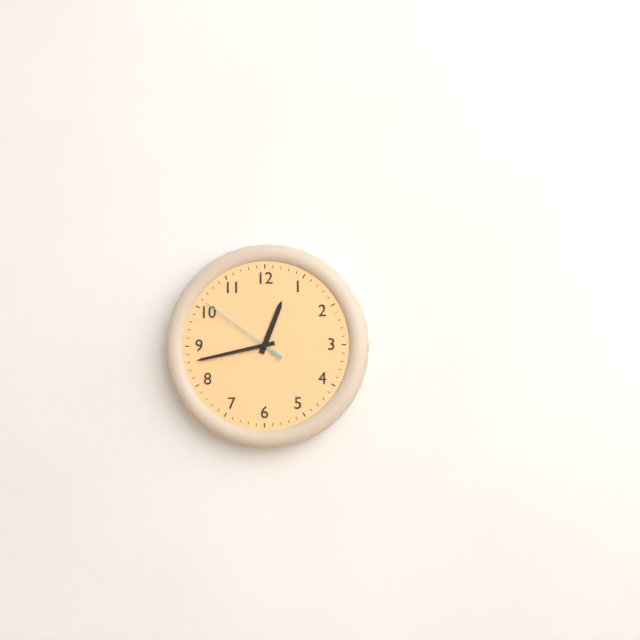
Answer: {"hour": 12, "minute": 43, "second": 51}
